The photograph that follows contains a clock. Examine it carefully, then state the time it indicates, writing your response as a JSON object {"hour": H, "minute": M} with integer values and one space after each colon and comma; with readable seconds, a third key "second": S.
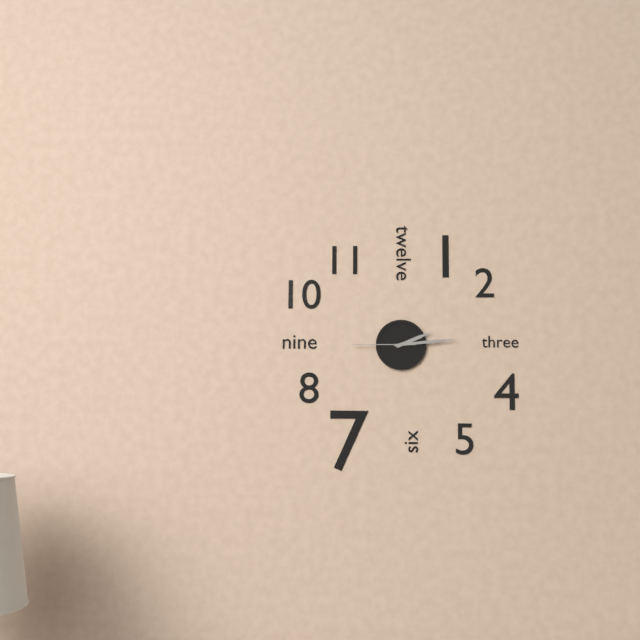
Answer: {"hour": 2, "minute": 14, "second": 45}
